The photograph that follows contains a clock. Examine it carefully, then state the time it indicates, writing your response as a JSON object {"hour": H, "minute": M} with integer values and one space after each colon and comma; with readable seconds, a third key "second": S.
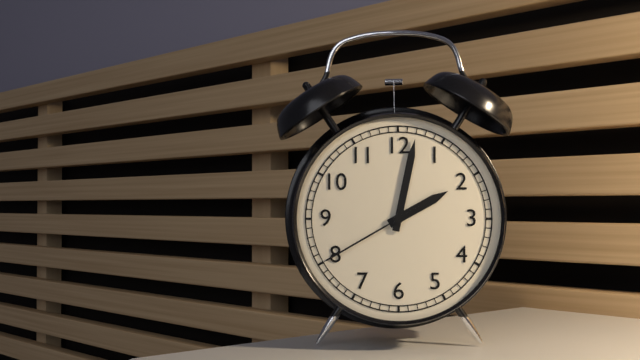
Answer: {"hour": 2, "minute": 2, "second": 40}
